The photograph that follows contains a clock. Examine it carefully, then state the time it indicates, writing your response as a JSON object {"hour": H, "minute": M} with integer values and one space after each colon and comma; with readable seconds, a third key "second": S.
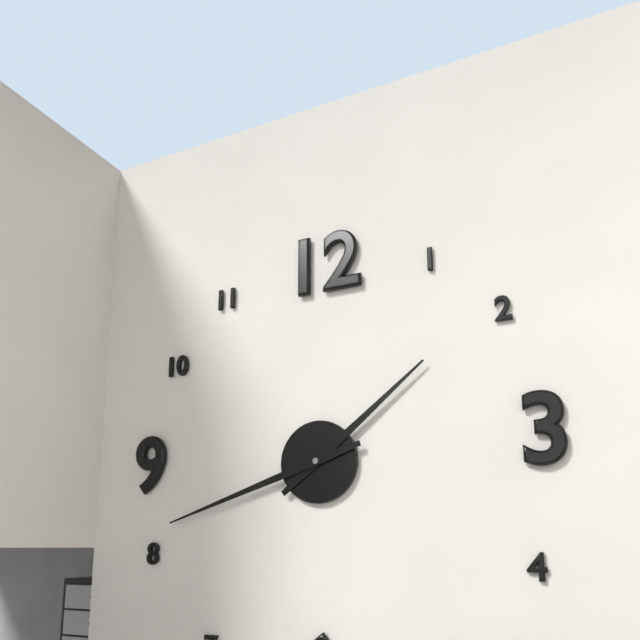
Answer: {"hour": 1, "minute": 42}
